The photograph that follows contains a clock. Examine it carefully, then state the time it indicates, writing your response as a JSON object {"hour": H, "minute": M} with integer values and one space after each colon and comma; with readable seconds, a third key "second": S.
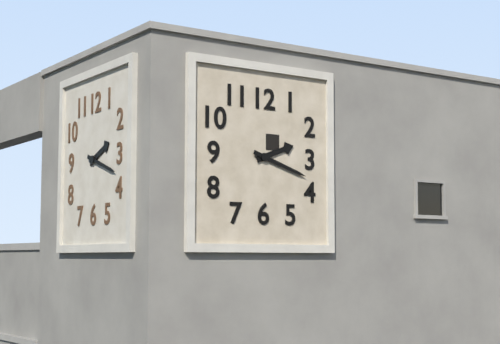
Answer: {"hour": 2, "minute": 18}
